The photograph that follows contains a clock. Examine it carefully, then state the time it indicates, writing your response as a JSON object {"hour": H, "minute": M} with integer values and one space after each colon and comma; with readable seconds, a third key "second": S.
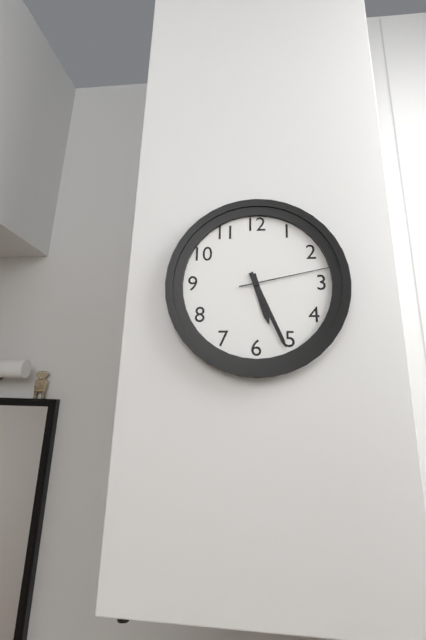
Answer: {"hour": 5, "minute": 26, "second": 13}
